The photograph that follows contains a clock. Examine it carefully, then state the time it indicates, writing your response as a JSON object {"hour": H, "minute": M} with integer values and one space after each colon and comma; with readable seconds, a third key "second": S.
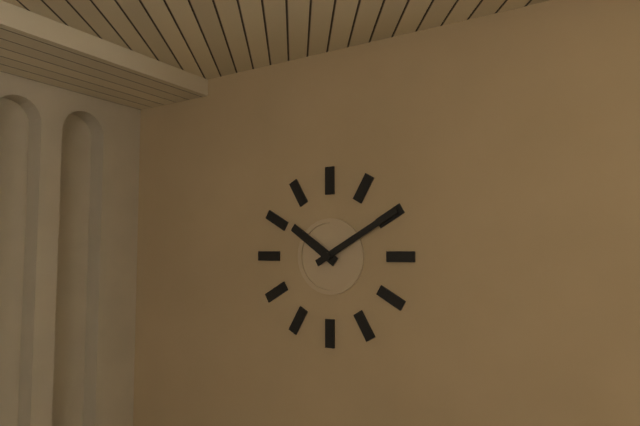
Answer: {"hour": 10, "minute": 10}
